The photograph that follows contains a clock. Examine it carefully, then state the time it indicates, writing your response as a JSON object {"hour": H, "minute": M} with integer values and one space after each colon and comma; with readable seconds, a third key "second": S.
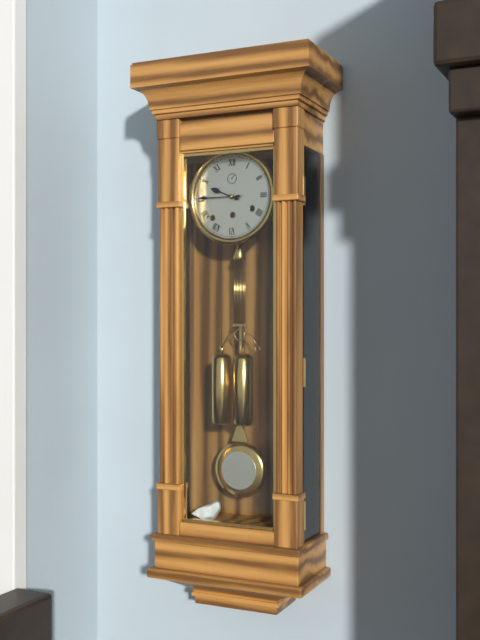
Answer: {"hour": 9, "minute": 45}
